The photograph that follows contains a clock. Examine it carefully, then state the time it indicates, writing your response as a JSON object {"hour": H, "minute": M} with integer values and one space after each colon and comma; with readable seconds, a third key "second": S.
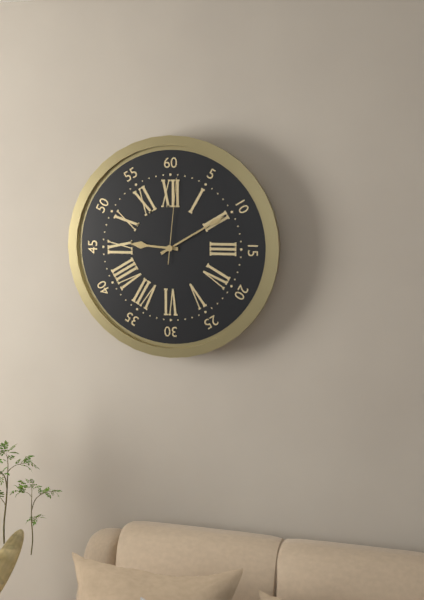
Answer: {"hour": 9, "minute": 10, "second": 1}
